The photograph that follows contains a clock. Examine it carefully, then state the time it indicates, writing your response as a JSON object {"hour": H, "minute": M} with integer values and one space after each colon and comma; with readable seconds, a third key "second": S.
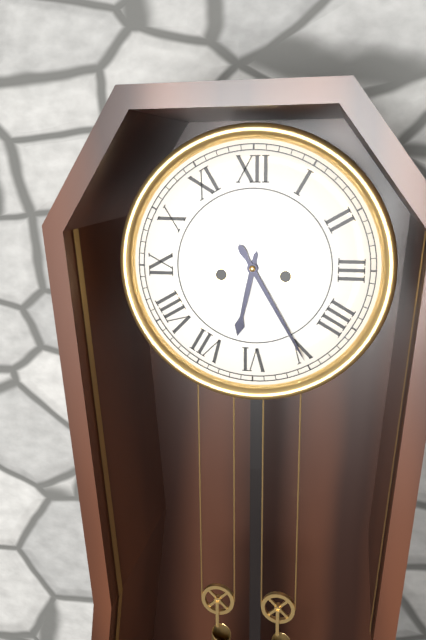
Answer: {"hour": 6, "minute": 25}
